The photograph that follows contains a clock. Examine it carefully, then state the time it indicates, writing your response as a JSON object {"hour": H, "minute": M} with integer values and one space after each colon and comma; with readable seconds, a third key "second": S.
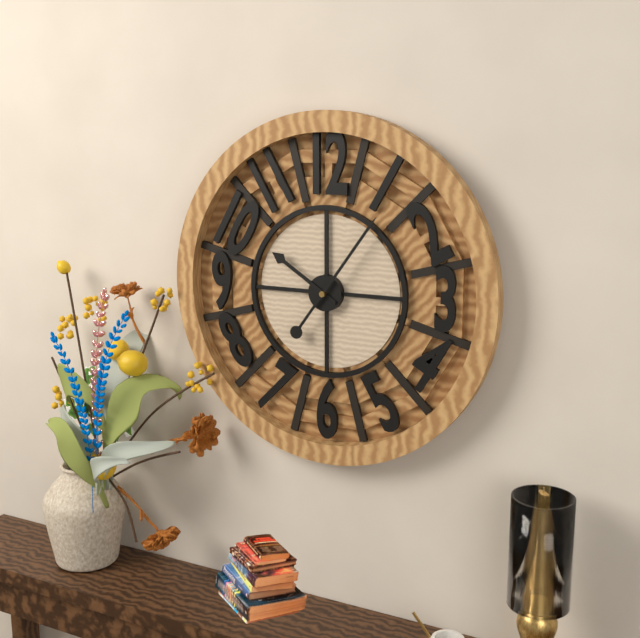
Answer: {"hour": 10, "minute": 6}
